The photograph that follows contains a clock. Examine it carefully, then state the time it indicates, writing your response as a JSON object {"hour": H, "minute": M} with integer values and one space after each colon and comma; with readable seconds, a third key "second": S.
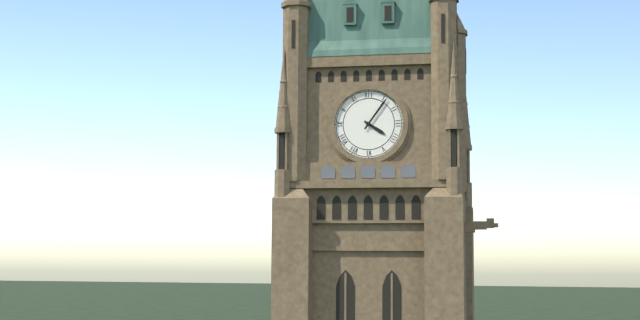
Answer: {"hour": 4, "minute": 6}
